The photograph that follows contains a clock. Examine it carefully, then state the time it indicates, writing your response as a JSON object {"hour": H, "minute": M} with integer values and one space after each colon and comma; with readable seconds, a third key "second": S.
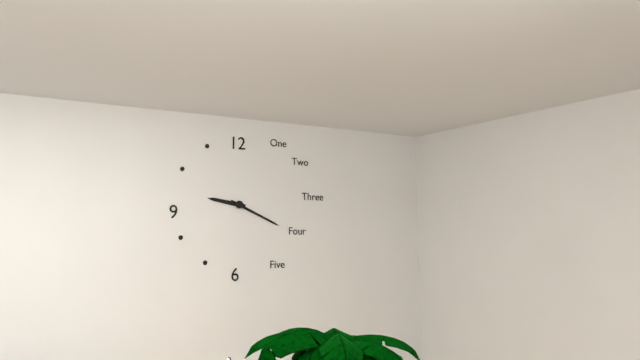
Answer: {"hour": 9, "minute": 19}
